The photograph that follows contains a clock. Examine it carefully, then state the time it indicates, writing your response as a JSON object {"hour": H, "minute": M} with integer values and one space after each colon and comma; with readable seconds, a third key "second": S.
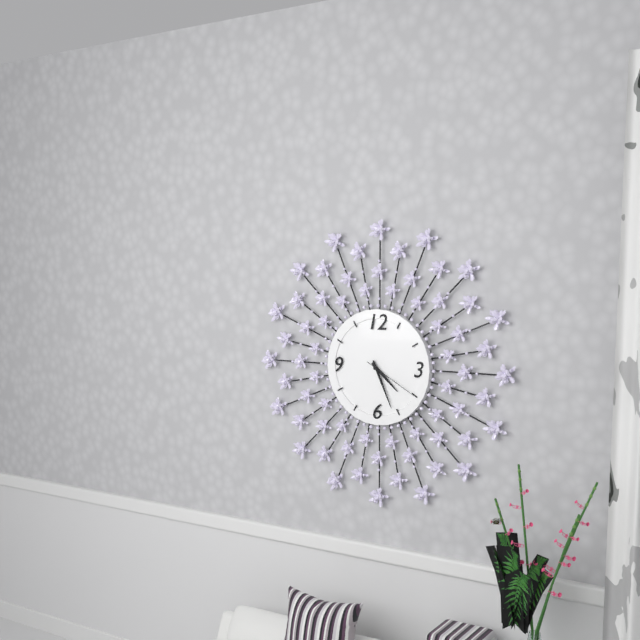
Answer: {"hour": 4, "minute": 26, "second": 20}
